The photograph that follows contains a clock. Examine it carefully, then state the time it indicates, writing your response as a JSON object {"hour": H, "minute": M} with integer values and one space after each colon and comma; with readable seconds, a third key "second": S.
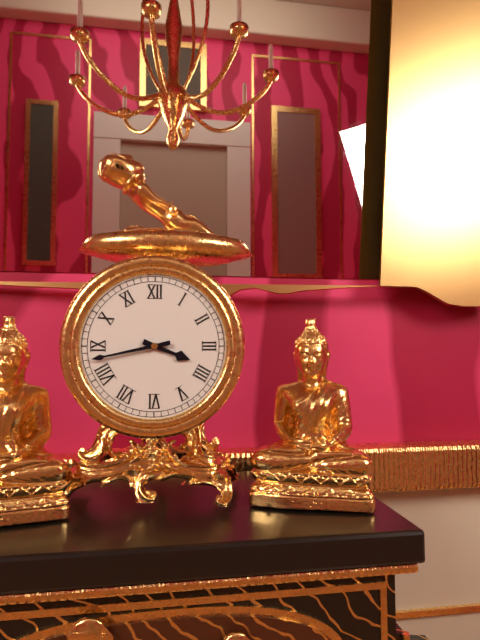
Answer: {"hour": 3, "minute": 43}
